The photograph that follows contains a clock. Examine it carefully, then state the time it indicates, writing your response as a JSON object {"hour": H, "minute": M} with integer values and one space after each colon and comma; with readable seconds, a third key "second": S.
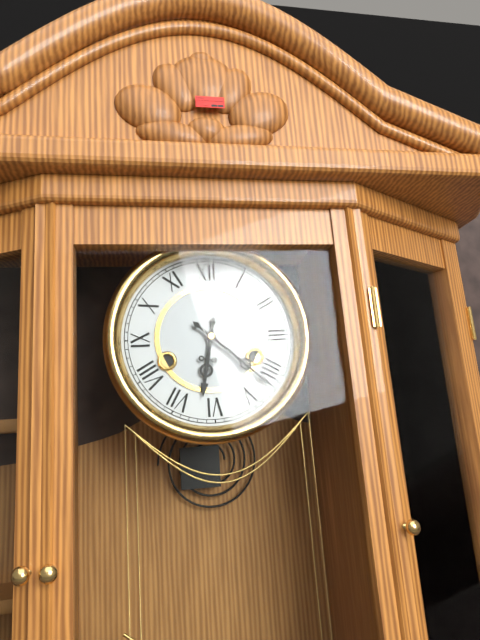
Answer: {"hour": 6, "minute": 22}
